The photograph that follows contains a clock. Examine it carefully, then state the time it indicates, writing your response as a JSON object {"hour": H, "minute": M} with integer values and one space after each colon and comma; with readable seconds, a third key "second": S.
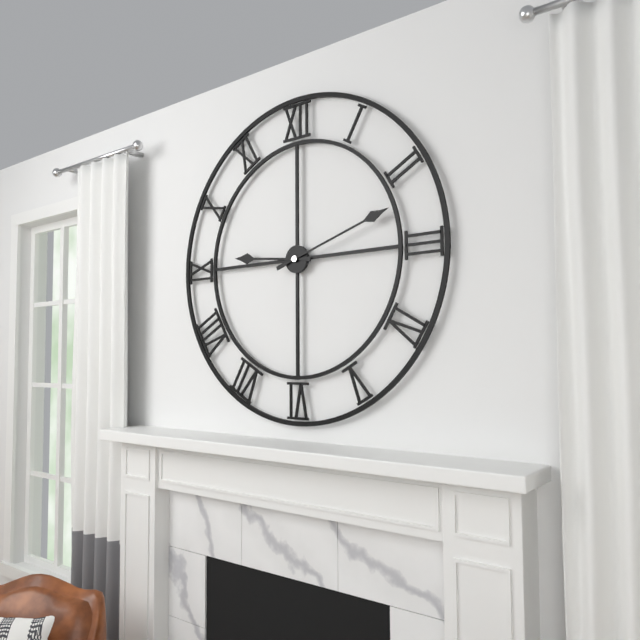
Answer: {"hour": 9, "minute": 12}
